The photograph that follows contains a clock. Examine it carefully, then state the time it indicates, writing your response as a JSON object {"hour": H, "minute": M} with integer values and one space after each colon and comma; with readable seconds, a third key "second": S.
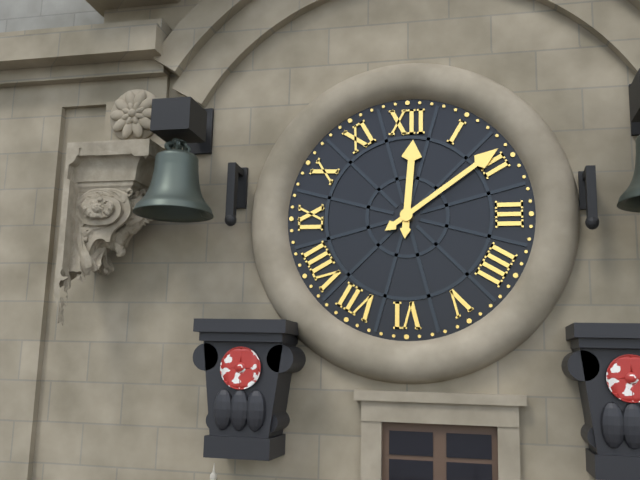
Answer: {"hour": 12, "minute": 9}
